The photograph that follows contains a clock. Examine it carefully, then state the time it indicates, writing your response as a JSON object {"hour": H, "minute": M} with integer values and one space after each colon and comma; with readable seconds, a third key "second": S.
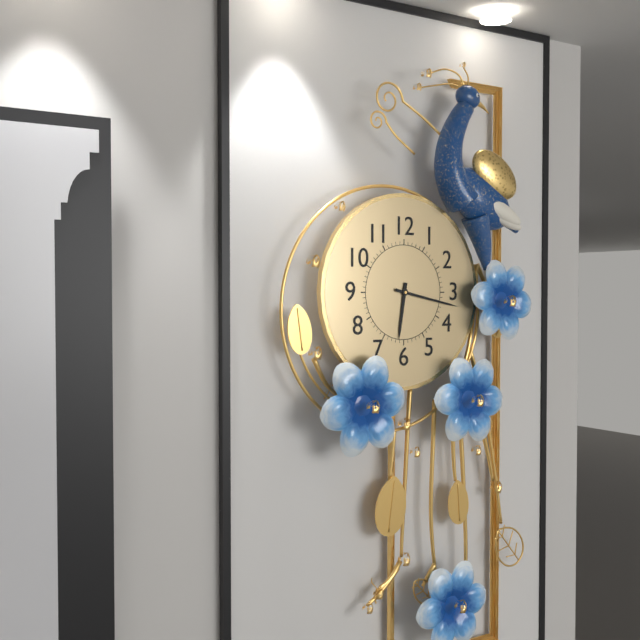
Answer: {"hour": 6, "minute": 17}
